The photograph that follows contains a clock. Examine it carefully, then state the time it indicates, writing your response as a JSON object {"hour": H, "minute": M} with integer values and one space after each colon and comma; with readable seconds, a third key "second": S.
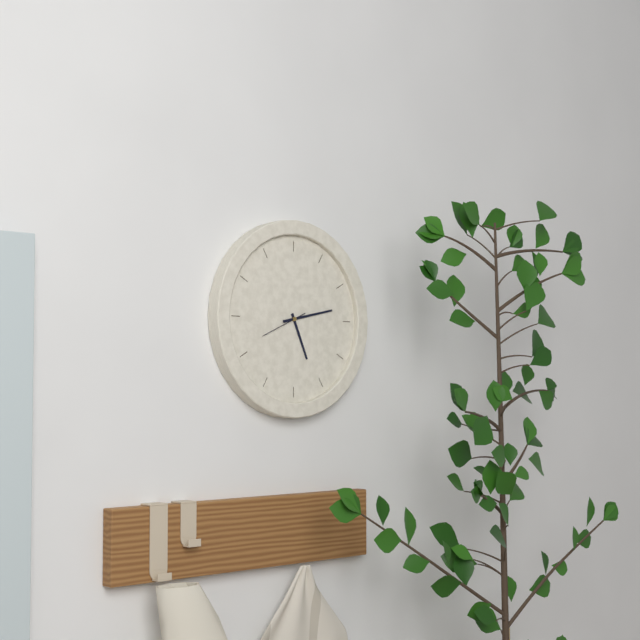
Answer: {"hour": 5, "minute": 13}
